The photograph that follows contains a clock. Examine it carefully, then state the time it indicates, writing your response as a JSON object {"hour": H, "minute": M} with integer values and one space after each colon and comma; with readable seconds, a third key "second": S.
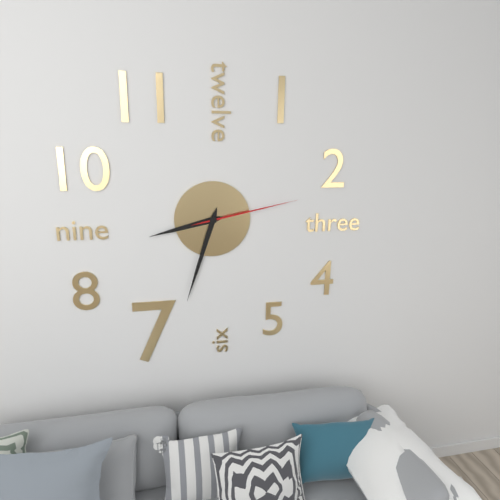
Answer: {"hour": 8, "minute": 33, "second": 13}
